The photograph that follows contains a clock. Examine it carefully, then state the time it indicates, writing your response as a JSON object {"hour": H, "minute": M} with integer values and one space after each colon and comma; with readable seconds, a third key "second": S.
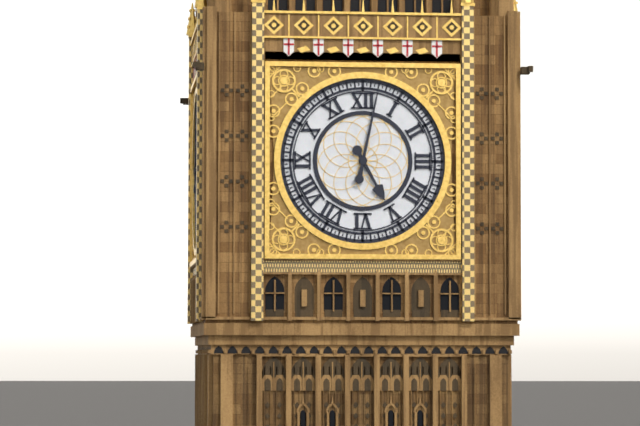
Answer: {"hour": 5, "minute": 2}
